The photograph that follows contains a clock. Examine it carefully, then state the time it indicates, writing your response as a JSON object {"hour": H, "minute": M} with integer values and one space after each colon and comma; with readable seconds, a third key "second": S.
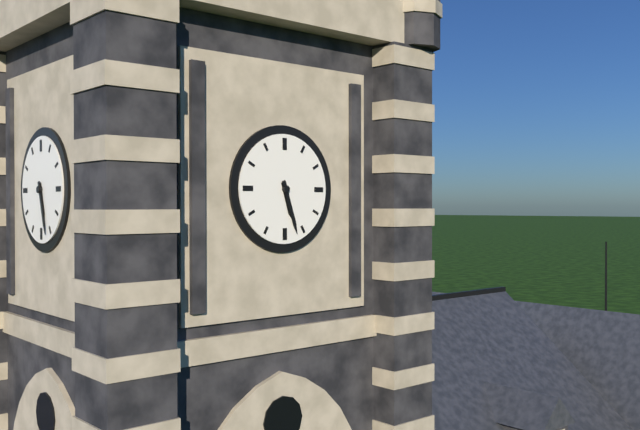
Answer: {"hour": 5, "minute": 27}
